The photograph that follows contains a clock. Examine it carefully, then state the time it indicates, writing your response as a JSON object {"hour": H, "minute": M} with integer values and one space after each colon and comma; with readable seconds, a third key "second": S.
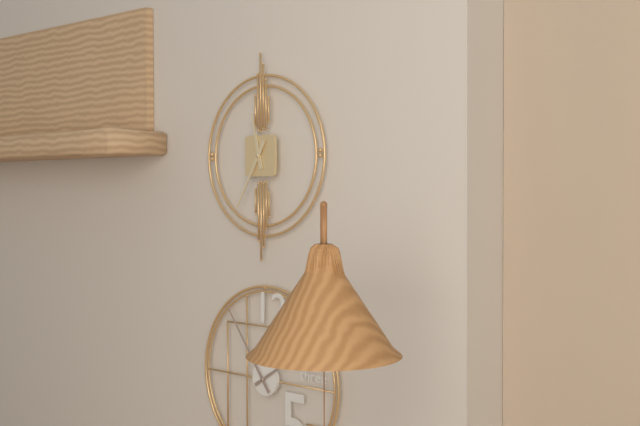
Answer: {"hour": 11, "minute": 35}
